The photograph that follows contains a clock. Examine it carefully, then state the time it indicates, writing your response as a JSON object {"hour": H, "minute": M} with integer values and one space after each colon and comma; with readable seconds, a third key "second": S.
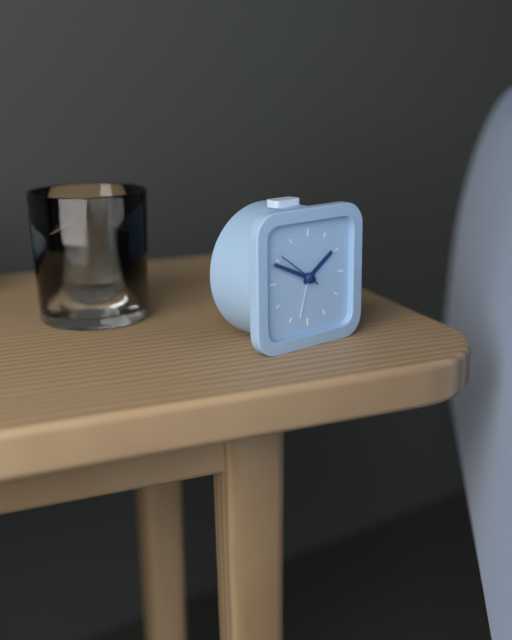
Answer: {"hour": 1, "minute": 49}
